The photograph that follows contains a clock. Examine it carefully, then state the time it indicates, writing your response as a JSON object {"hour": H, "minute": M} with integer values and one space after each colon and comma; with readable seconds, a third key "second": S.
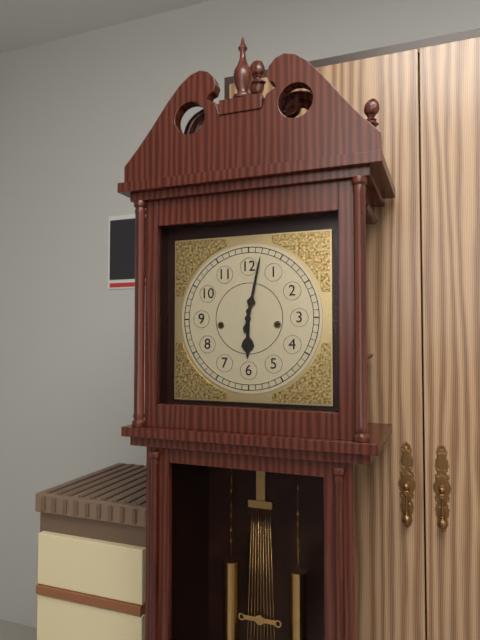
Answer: {"hour": 6, "minute": 2}
